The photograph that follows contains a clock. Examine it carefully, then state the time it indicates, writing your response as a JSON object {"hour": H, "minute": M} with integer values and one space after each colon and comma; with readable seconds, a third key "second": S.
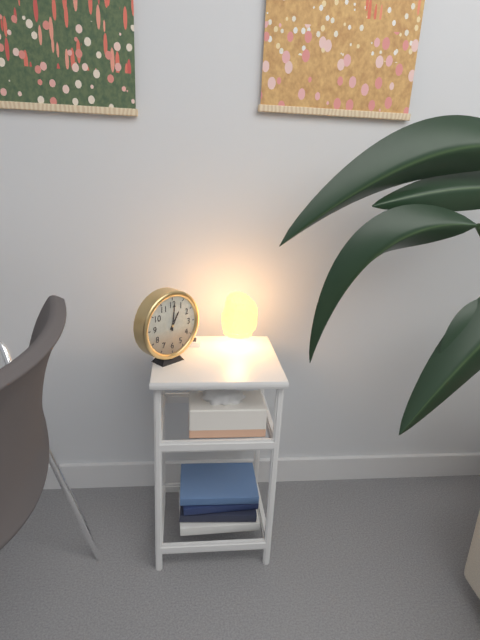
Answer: {"hour": 1, "minute": 1}
